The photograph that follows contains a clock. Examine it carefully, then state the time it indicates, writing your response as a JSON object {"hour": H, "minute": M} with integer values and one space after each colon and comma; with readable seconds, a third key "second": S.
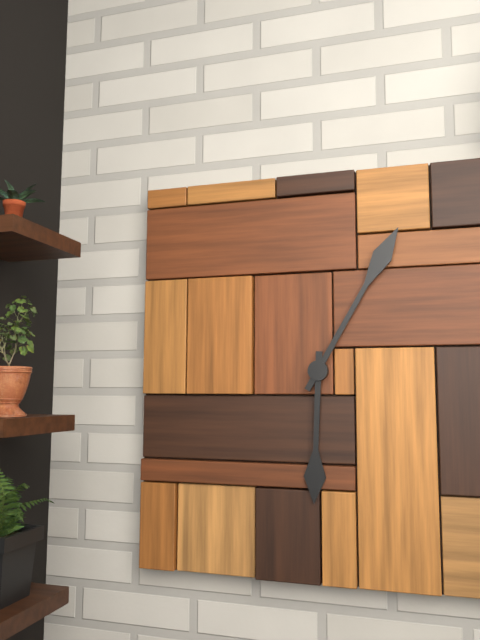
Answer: {"hour": 6, "minute": 5}
